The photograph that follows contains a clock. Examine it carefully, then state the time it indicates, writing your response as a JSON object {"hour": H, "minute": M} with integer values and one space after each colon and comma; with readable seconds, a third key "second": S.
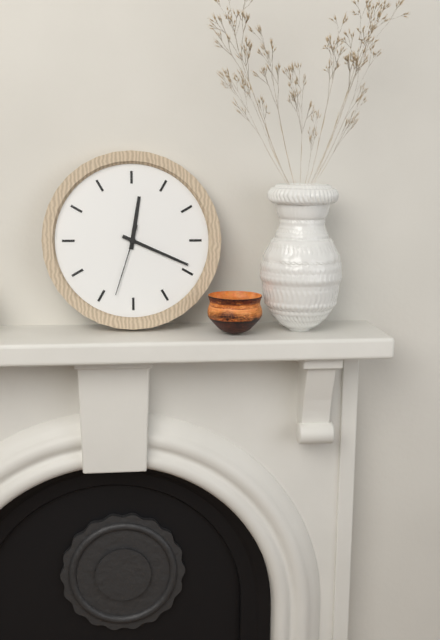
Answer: {"hour": 12, "minute": 19, "second": 33}
